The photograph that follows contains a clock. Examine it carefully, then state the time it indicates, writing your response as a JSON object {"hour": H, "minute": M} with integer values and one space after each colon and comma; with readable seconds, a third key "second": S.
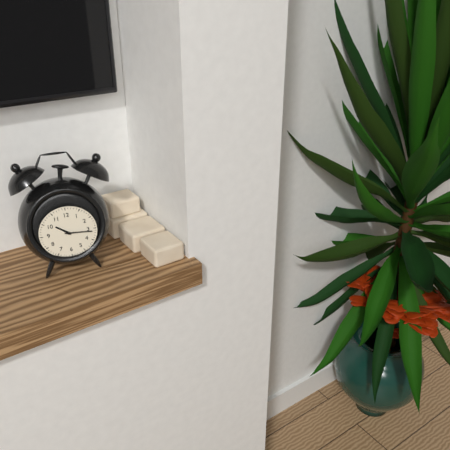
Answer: {"hour": 10, "minute": 16}
